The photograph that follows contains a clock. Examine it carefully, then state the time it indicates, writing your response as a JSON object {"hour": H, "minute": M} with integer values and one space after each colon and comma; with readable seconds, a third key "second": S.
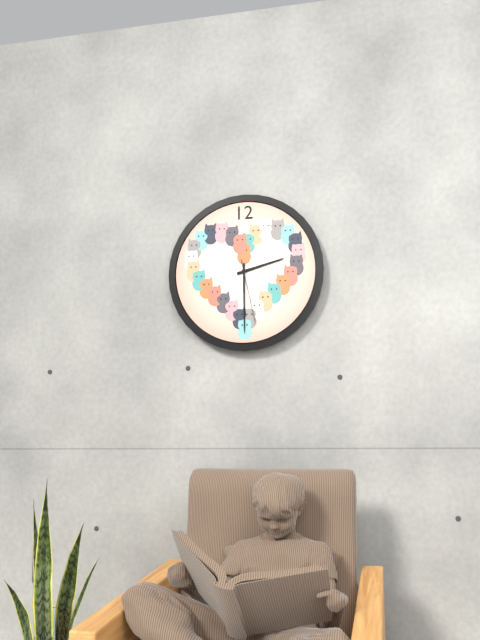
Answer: {"hour": 2, "minute": 30, "second": 28}
